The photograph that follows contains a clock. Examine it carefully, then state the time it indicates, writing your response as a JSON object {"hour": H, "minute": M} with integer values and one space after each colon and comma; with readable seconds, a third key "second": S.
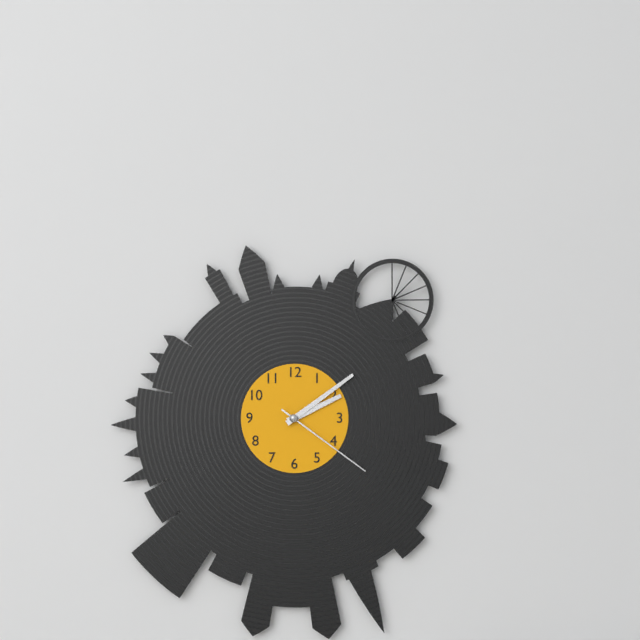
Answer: {"hour": 2, "minute": 9, "second": 21}
